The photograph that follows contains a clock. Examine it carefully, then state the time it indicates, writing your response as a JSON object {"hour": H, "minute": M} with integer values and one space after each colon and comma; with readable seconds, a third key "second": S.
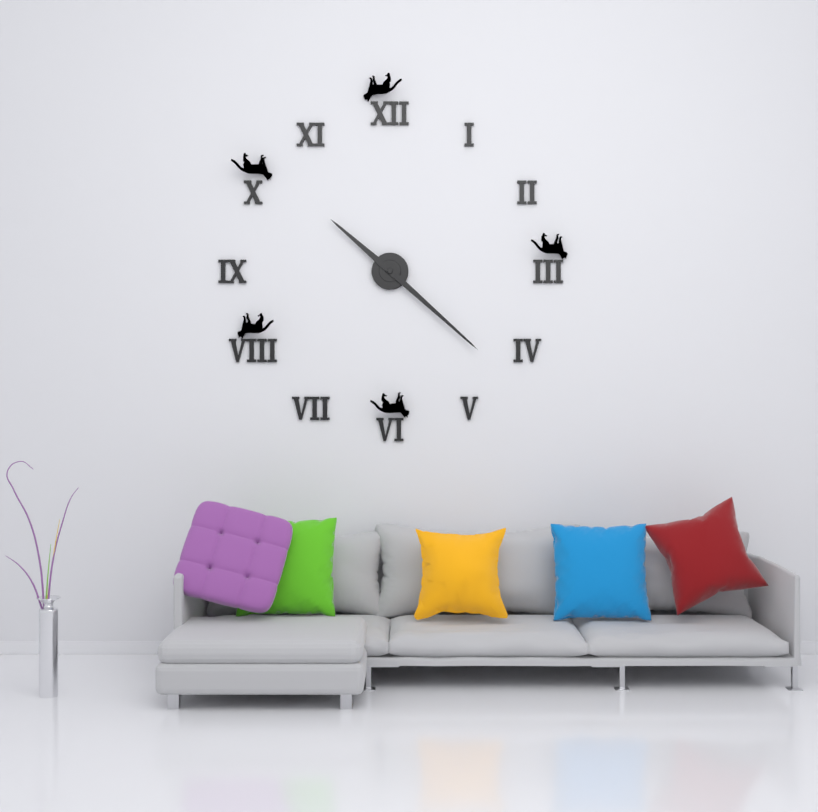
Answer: {"hour": 10, "minute": 22}
